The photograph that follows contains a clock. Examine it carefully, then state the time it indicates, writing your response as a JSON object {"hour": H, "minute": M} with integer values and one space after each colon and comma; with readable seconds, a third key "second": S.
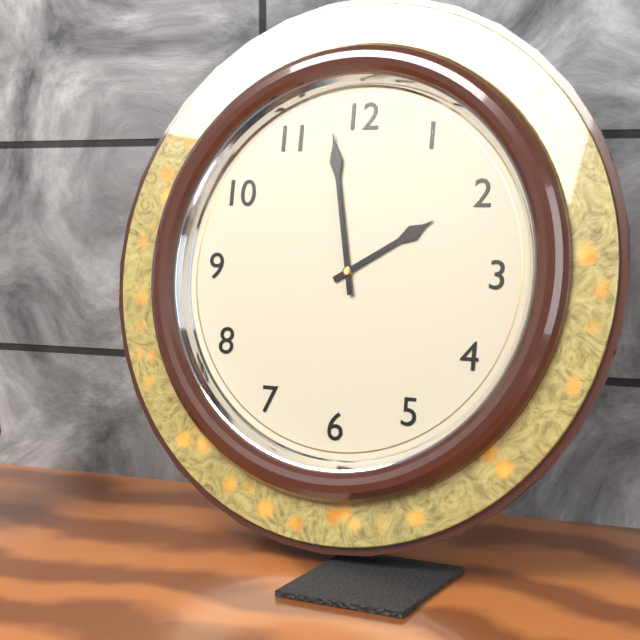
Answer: {"hour": 1, "minute": 58}
